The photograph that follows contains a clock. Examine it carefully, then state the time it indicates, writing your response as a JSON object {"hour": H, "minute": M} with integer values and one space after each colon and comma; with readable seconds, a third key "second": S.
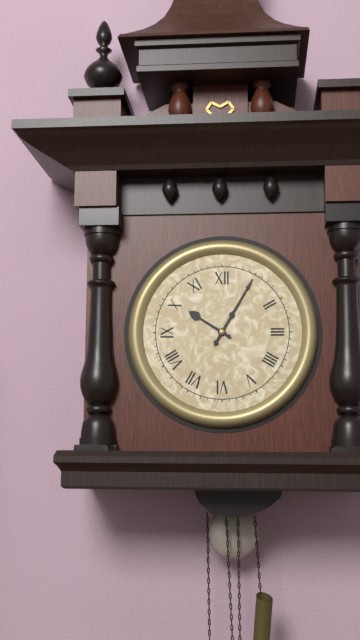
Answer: {"hour": 10, "minute": 5}
